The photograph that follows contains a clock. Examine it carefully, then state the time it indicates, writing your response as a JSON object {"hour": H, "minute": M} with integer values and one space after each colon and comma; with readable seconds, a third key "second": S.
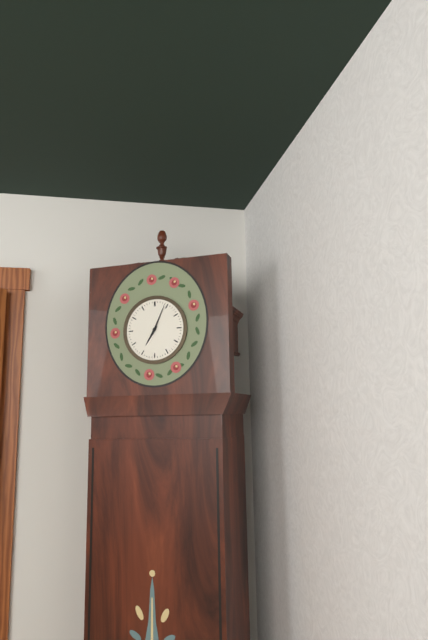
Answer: {"hour": 7, "minute": 4}
